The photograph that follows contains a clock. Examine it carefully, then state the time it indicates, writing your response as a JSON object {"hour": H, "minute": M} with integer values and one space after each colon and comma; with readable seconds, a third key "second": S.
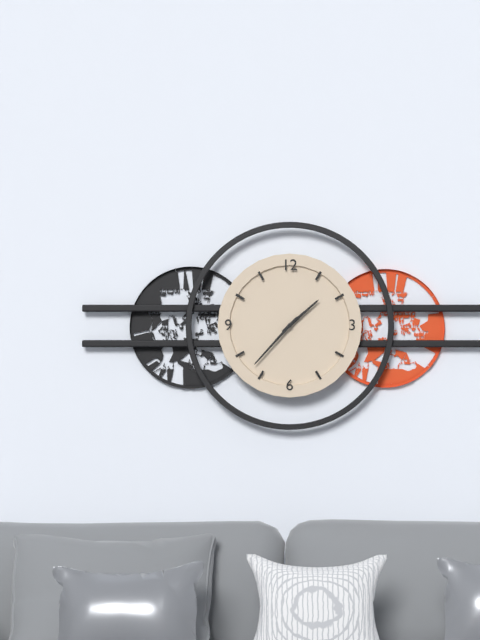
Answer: {"hour": 1, "minute": 37}
